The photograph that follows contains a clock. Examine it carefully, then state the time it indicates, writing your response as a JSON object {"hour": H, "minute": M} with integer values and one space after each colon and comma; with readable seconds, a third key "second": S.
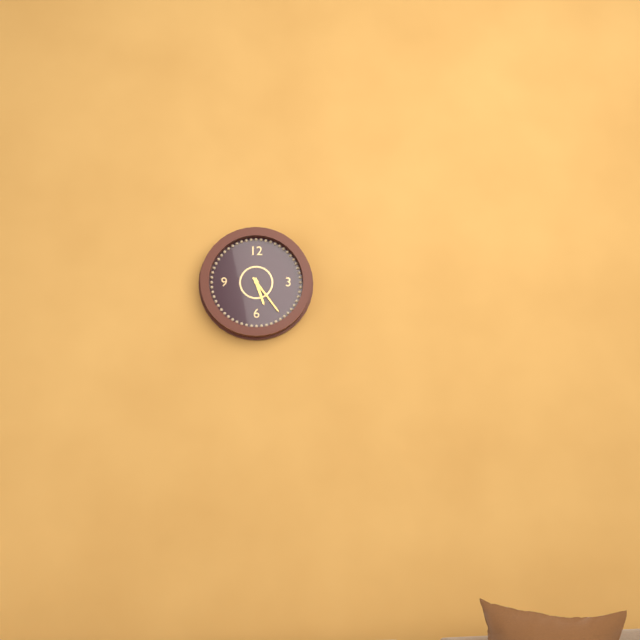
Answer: {"hour": 5, "minute": 24}
